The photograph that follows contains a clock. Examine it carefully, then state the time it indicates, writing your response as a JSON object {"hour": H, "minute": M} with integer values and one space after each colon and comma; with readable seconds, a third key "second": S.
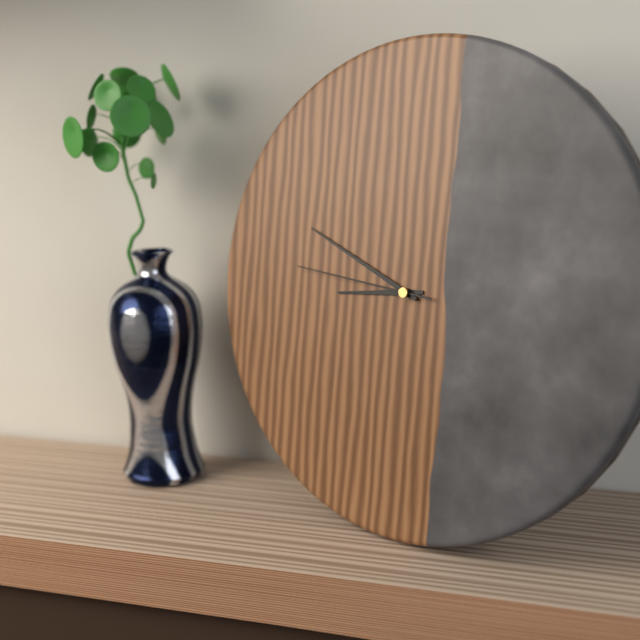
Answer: {"hour": 8, "minute": 49, "second": 46}
